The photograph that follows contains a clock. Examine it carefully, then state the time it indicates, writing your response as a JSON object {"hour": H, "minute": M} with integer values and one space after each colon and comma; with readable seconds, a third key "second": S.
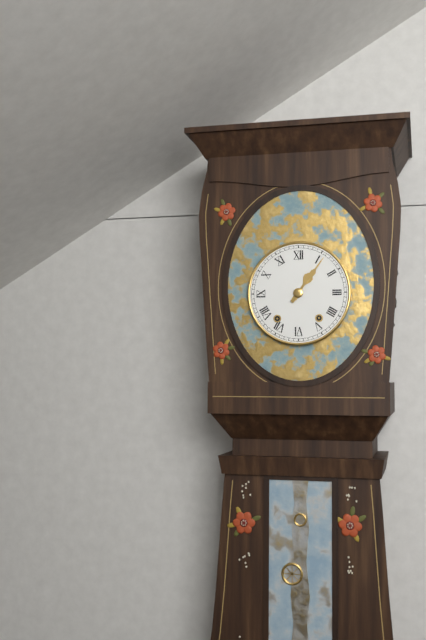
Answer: {"hour": 1, "minute": 6}
